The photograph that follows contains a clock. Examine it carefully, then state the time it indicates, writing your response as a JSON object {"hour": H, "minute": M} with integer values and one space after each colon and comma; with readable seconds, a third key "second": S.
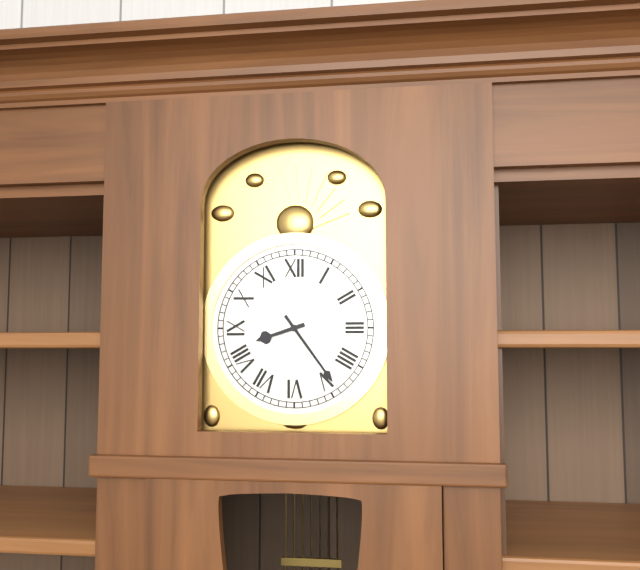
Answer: {"hour": 8, "minute": 24}
